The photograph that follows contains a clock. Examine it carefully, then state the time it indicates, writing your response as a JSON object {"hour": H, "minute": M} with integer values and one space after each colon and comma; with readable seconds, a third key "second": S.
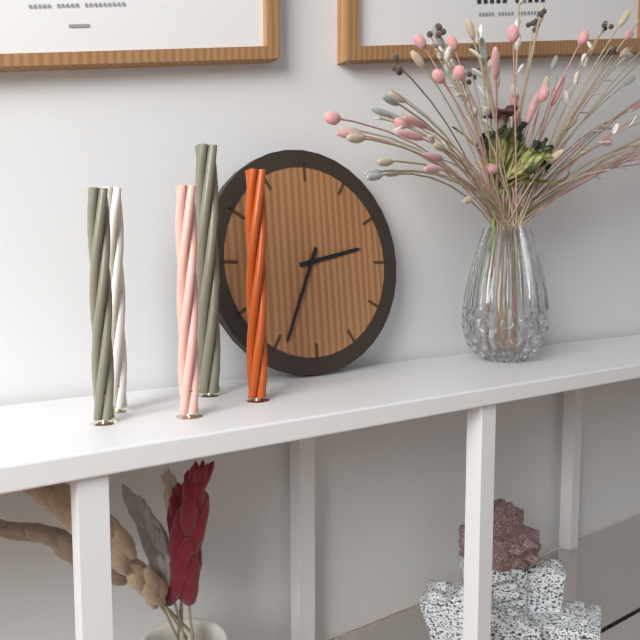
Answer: {"hour": 2, "minute": 34}
